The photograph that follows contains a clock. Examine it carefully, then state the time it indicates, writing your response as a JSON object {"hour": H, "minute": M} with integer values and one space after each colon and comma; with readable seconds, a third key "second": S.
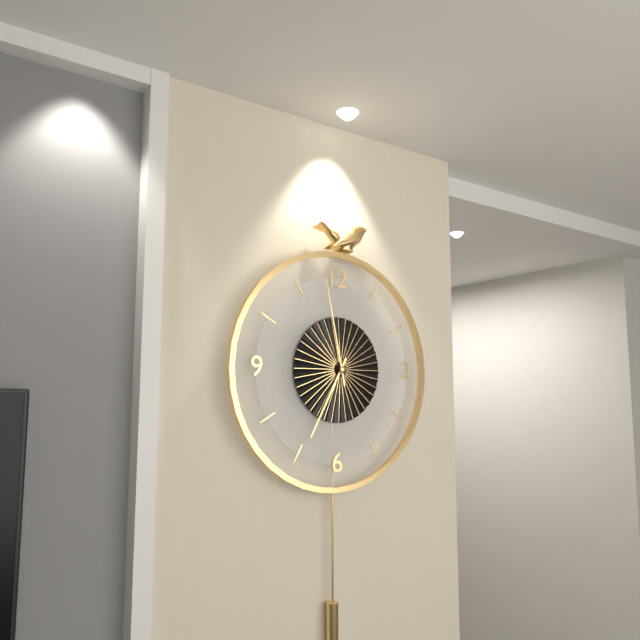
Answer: {"hour": 6, "minute": 58}
